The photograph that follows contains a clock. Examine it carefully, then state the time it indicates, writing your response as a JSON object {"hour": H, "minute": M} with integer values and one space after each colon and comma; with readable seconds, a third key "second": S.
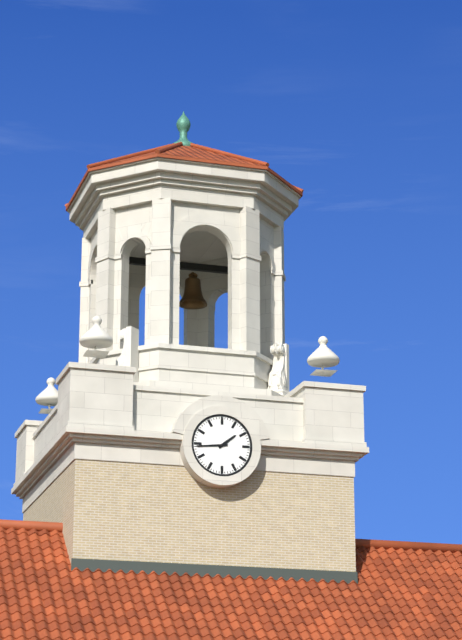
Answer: {"hour": 1, "minute": 44}
